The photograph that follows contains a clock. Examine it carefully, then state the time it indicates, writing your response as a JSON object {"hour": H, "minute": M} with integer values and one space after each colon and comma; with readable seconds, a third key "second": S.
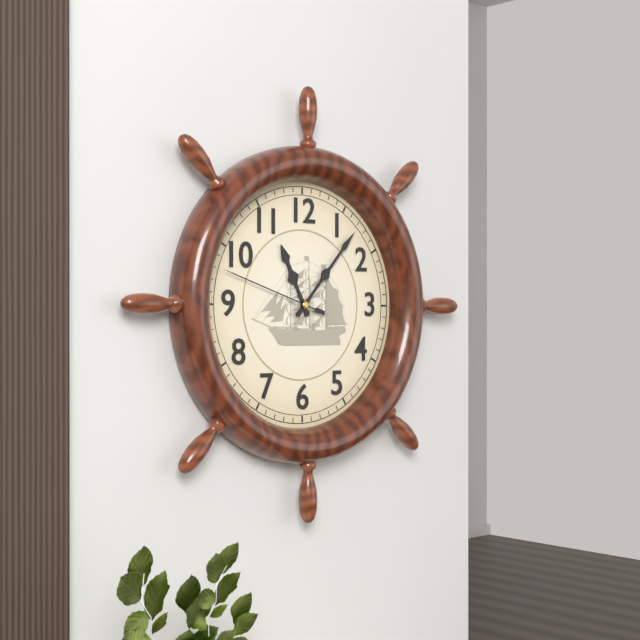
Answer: {"hour": 11, "minute": 7, "second": 48}
